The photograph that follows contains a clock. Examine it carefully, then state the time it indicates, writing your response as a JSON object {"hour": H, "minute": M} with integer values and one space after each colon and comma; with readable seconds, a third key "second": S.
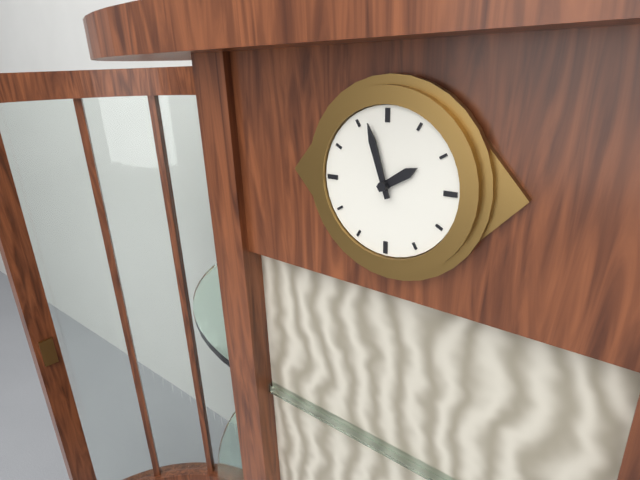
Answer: {"hour": 1, "minute": 57}
